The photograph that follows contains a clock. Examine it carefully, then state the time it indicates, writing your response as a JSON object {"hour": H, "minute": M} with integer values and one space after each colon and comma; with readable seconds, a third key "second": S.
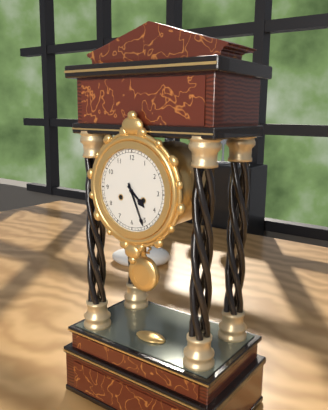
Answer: {"hour": 4, "minute": 26}
